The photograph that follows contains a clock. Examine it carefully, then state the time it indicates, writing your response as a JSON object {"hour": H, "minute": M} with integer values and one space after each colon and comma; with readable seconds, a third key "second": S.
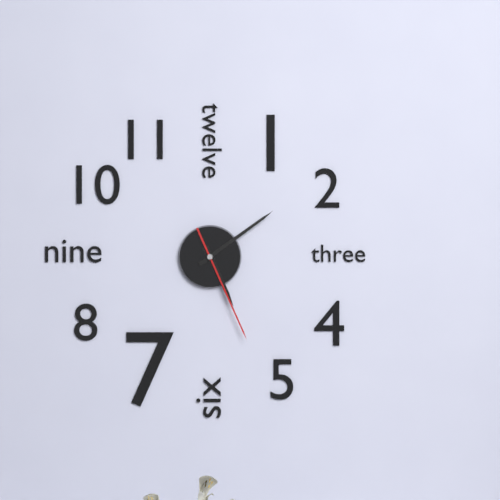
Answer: {"hour": 5, "minute": 9, "second": 26}
